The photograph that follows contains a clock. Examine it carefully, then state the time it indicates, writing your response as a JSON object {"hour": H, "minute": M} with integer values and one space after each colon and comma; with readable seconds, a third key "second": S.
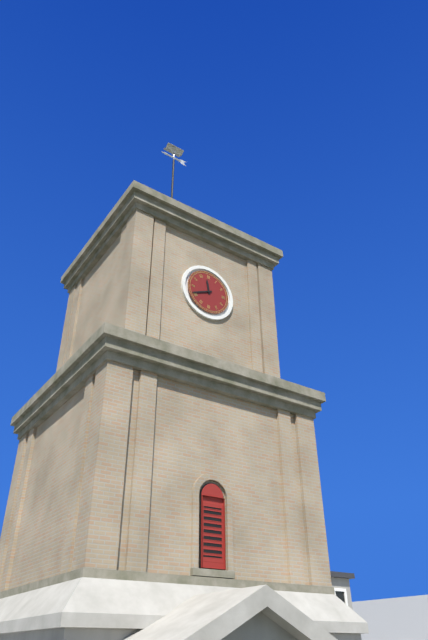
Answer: {"hour": 11, "minute": 41}
